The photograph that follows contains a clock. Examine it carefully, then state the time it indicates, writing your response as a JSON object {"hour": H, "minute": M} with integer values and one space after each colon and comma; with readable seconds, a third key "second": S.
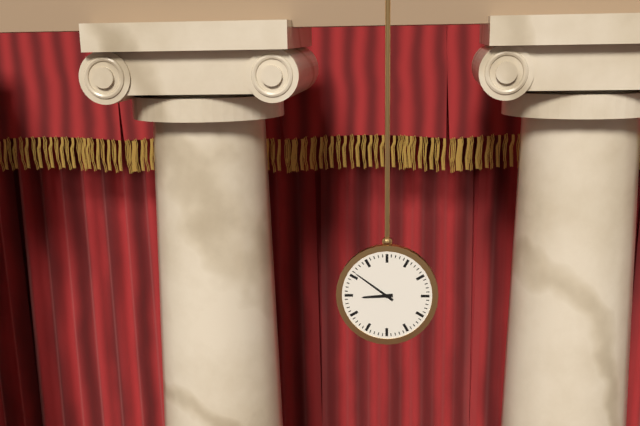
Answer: {"hour": 8, "minute": 51}
